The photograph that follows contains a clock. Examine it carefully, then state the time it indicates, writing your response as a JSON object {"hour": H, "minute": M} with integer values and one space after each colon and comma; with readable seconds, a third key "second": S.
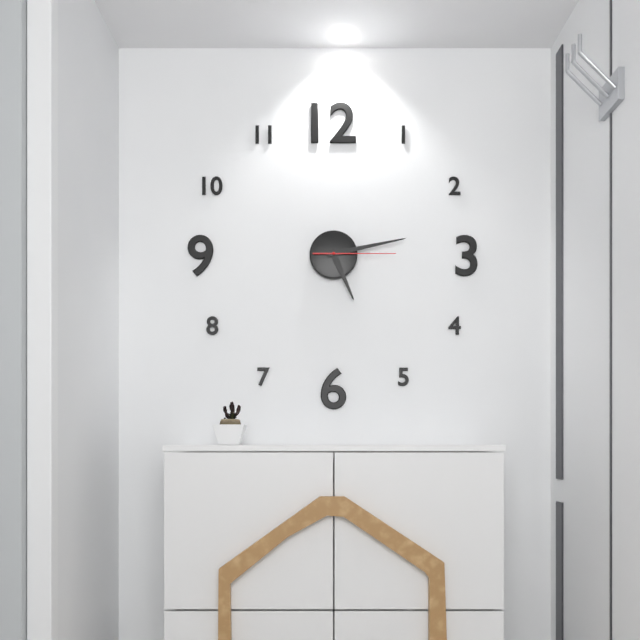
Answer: {"hour": 5, "minute": 13, "second": 15}
